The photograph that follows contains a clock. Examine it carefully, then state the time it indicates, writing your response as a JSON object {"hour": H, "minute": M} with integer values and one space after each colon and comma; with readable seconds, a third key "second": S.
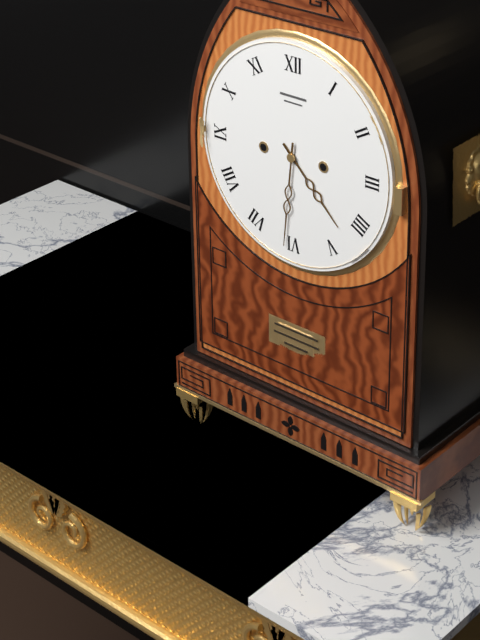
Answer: {"hour": 4, "minute": 31}
